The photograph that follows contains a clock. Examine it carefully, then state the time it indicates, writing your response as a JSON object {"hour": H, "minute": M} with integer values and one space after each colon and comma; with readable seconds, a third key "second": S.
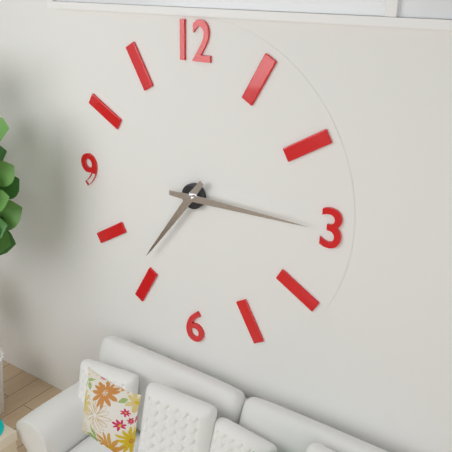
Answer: {"hour": 7, "minute": 15}
